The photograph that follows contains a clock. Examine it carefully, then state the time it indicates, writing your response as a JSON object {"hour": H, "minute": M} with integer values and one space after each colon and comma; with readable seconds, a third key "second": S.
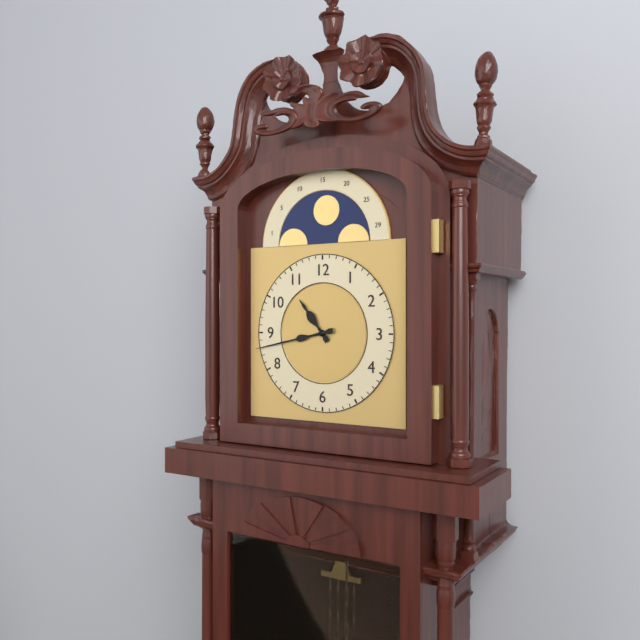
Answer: {"hour": 10, "minute": 43}
